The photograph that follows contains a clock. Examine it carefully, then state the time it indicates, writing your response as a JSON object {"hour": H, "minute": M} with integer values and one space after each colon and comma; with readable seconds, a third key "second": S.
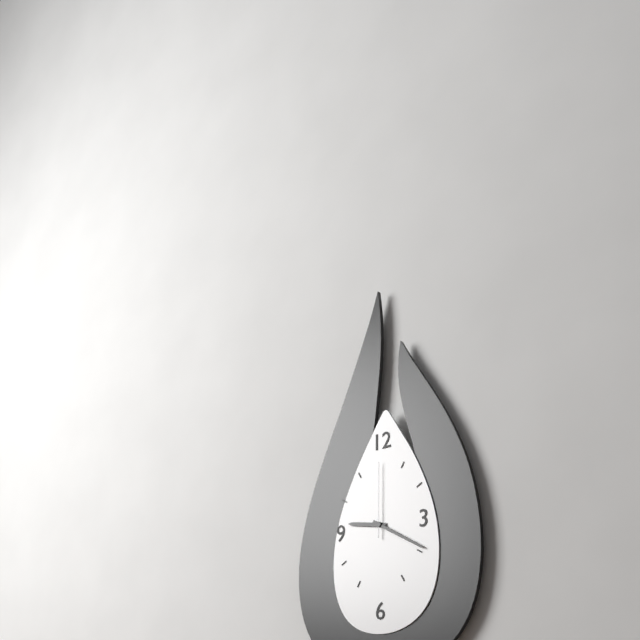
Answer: {"hour": 9, "minute": 20, "second": 0}
